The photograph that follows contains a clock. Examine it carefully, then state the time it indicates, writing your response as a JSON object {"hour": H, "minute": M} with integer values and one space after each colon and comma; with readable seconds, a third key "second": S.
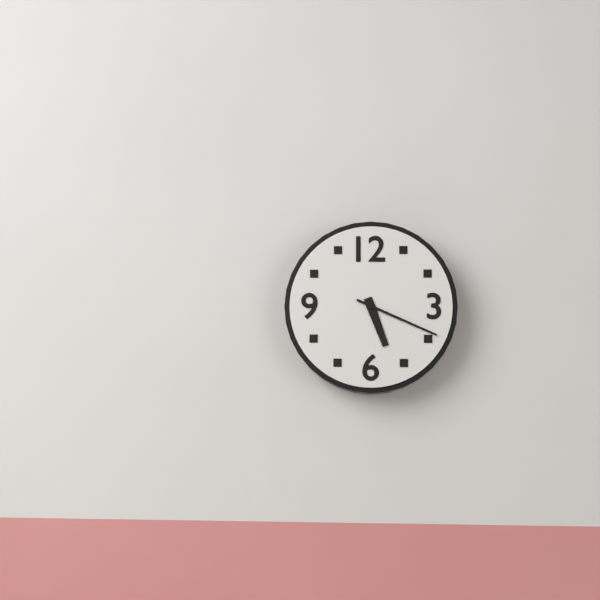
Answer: {"hour": 5, "minute": 19}
